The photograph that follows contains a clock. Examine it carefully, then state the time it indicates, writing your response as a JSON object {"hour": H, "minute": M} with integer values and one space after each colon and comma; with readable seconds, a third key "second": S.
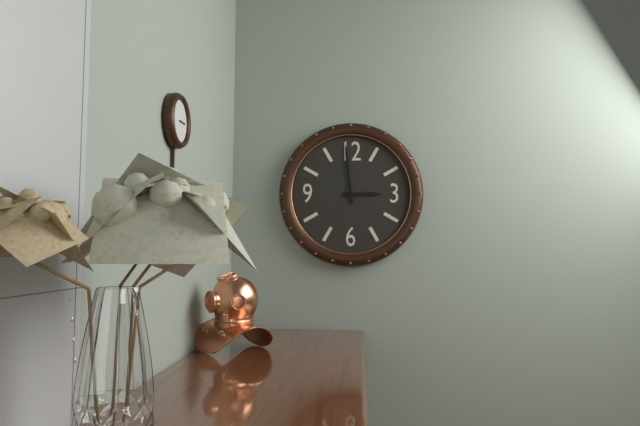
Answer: {"hour": 2, "minute": 59}
